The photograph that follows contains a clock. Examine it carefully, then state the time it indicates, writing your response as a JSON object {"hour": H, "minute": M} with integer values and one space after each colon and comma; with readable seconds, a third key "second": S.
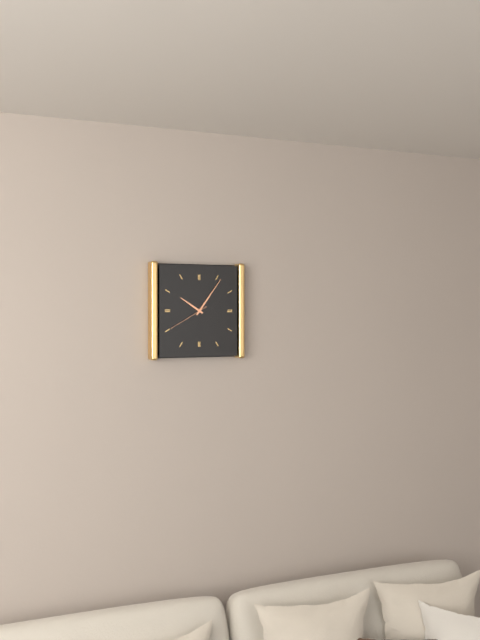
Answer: {"hour": 10, "minute": 6}
